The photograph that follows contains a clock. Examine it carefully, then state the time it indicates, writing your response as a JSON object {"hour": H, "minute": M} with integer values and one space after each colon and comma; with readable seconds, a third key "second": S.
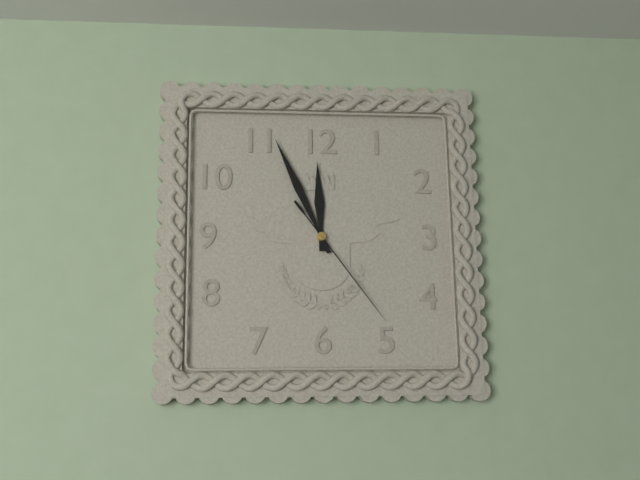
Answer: {"hour": 11, "minute": 56, "second": 24}
